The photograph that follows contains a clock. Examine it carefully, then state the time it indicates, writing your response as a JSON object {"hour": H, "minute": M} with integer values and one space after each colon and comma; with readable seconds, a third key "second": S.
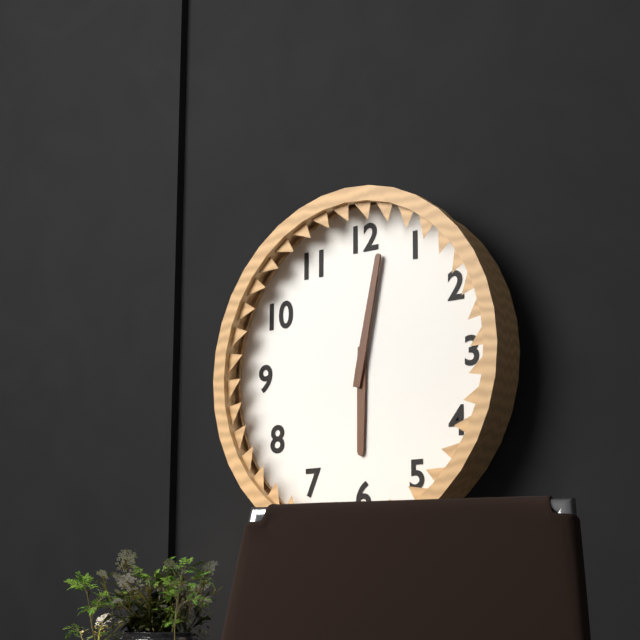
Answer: {"hour": 6, "minute": 2}
